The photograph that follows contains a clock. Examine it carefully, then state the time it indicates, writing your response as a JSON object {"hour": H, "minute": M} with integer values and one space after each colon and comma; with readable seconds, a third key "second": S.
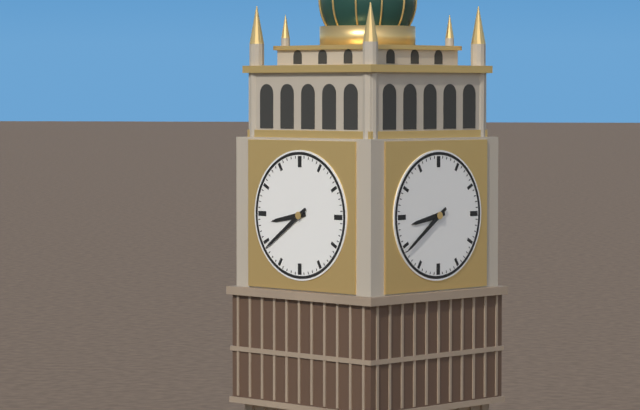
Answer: {"hour": 8, "minute": 39}
